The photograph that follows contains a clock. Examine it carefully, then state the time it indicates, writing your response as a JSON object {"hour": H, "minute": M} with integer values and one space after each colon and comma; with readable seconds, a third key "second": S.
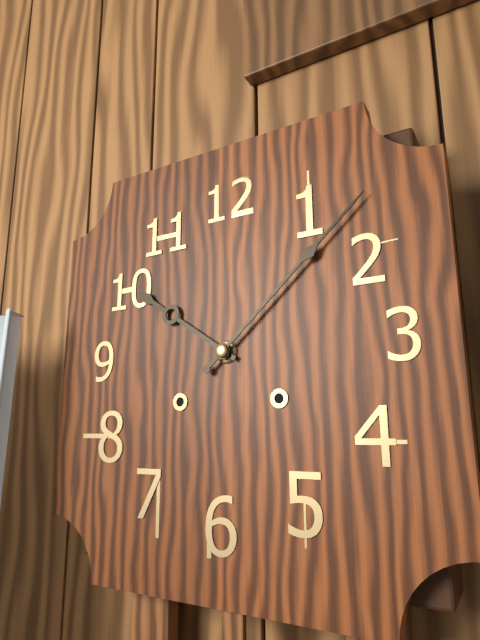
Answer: {"hour": 10, "minute": 8}
